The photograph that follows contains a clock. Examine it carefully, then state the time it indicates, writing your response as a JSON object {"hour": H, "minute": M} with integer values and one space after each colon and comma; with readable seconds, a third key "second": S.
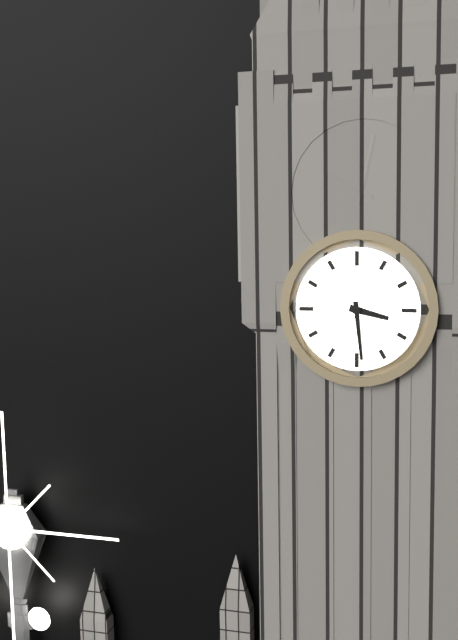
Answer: {"hour": 3, "minute": 29}
